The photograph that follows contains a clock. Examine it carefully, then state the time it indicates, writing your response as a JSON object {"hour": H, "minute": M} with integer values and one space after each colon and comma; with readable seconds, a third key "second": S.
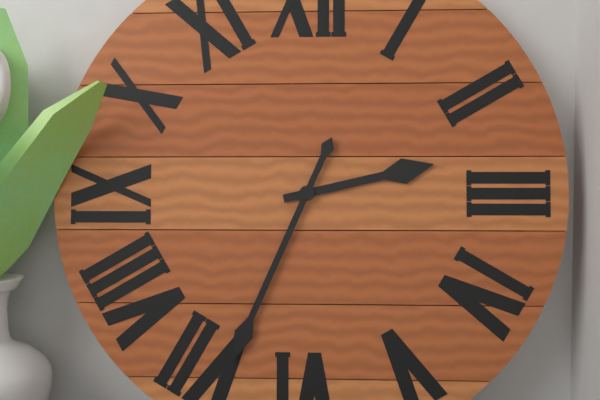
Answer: {"hour": 2, "minute": 34}
